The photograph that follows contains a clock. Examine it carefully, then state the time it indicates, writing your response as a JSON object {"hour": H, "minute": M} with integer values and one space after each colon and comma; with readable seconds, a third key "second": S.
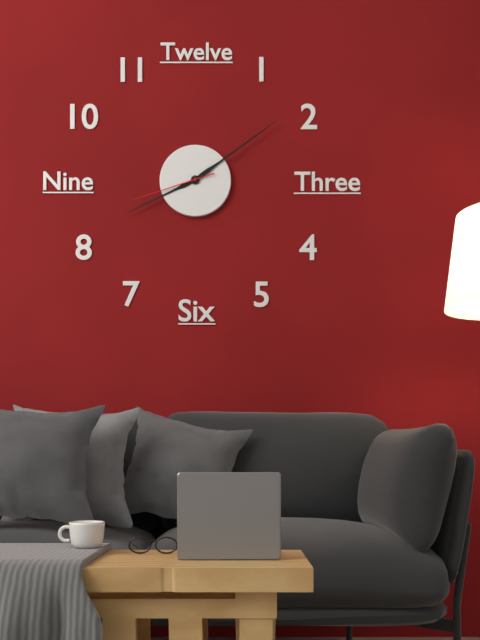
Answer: {"hour": 8, "minute": 9, "second": 42}
